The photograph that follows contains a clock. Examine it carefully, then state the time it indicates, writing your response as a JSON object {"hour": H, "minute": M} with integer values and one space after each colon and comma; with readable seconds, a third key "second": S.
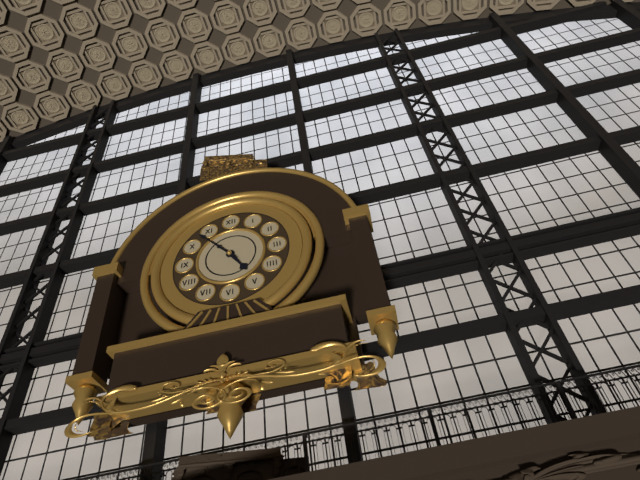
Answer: {"hour": 4, "minute": 53}
